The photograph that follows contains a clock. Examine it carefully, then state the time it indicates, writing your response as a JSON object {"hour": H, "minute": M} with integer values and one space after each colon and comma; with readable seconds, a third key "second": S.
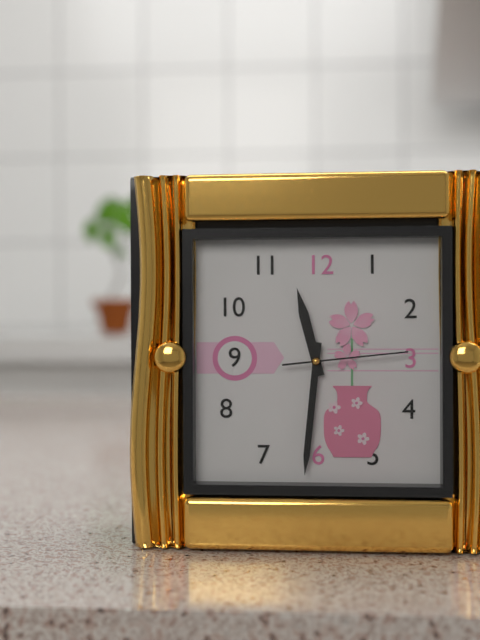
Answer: {"hour": 11, "minute": 31, "second": 14}
